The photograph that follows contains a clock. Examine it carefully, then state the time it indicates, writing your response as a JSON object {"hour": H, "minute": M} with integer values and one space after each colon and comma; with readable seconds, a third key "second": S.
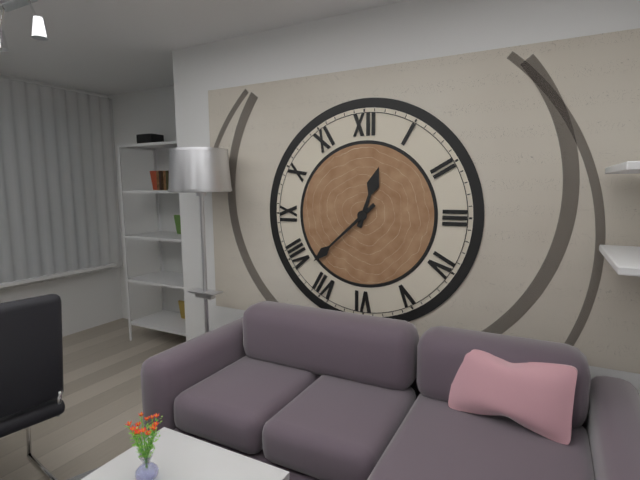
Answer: {"hour": 12, "minute": 38}
